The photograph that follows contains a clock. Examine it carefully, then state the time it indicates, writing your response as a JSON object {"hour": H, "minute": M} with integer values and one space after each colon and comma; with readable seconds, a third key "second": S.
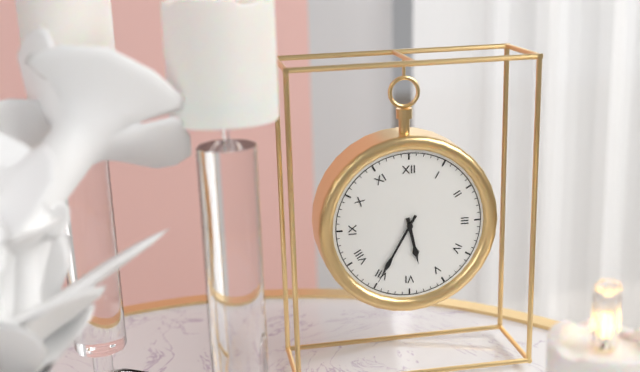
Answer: {"hour": 5, "minute": 35}
